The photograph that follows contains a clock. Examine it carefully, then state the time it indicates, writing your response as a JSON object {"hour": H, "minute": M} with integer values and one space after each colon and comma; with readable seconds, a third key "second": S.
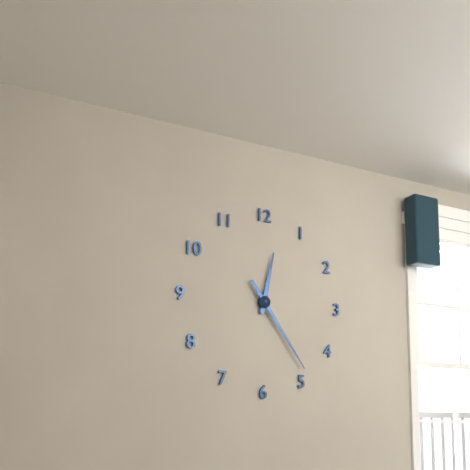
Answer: {"hour": 12, "minute": 24}
